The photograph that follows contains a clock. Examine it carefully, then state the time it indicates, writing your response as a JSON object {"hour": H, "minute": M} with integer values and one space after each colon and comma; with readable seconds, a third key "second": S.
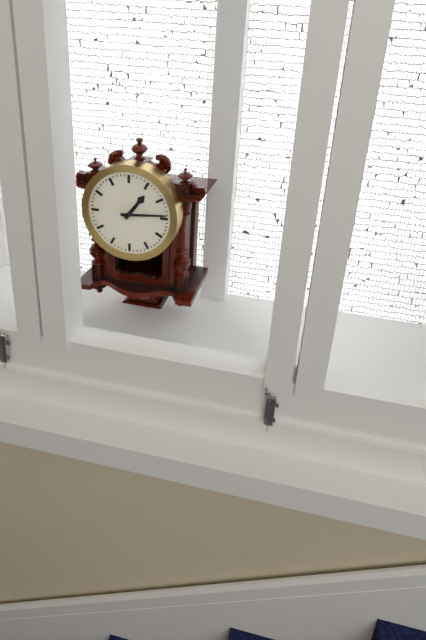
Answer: {"hour": 1, "minute": 14}
